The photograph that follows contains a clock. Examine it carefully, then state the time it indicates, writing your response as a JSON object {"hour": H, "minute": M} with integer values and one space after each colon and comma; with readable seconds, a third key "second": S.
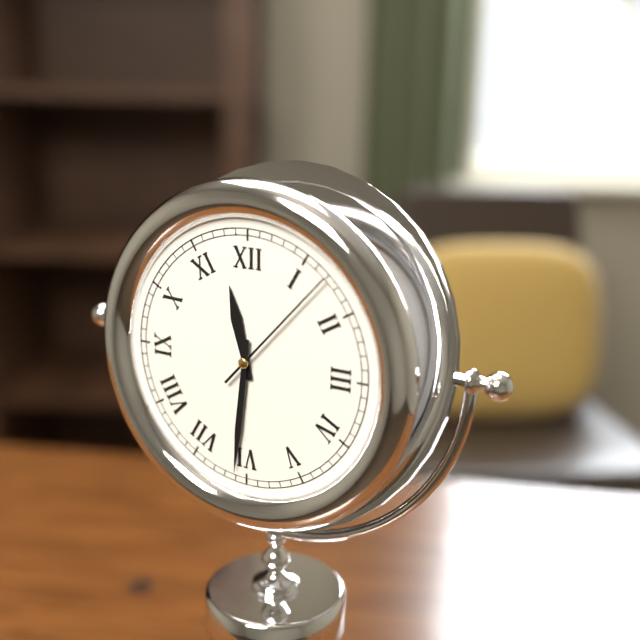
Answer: {"hour": 11, "minute": 31, "second": 7}
